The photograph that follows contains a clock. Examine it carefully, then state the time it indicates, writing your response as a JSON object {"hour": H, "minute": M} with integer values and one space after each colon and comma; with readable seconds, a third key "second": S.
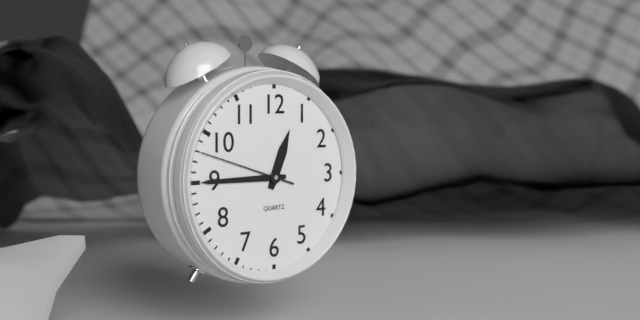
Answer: {"hour": 12, "minute": 45, "second": 48}
